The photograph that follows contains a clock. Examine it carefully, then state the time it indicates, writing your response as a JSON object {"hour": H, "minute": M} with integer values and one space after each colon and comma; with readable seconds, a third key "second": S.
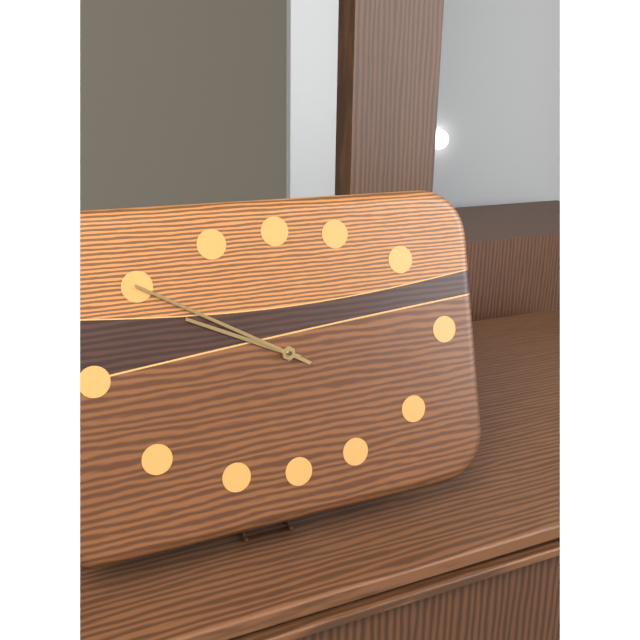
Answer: {"hour": 9, "minute": 50}
